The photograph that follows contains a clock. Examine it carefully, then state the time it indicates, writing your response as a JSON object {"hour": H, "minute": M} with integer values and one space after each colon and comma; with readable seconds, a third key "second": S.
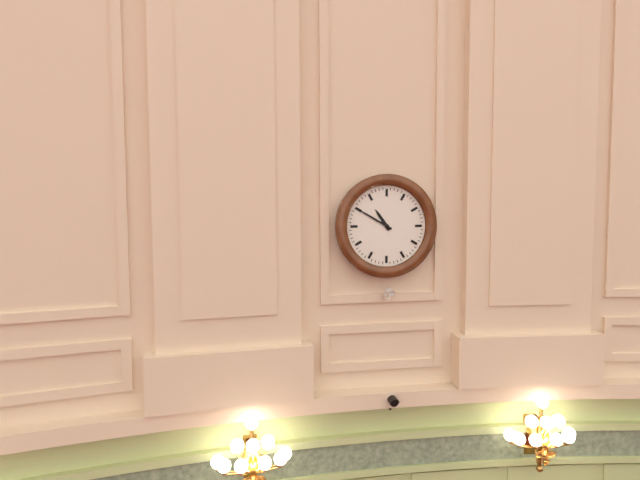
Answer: {"hour": 10, "minute": 50}
